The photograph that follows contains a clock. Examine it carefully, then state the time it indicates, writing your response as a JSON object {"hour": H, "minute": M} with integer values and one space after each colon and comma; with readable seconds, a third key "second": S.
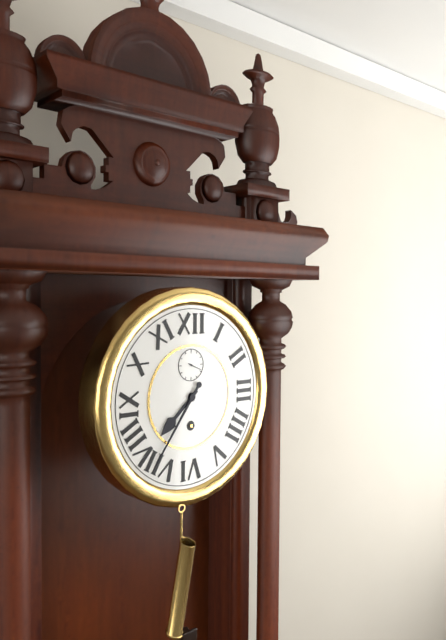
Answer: {"hour": 7, "minute": 36}
